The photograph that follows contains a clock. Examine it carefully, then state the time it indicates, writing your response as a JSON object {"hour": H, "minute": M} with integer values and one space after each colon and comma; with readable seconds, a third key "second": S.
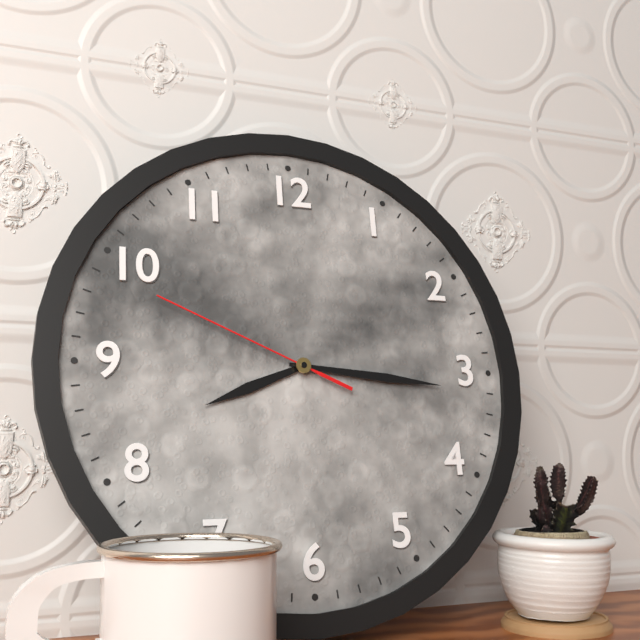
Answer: {"hour": 8, "minute": 16, "second": 49}
